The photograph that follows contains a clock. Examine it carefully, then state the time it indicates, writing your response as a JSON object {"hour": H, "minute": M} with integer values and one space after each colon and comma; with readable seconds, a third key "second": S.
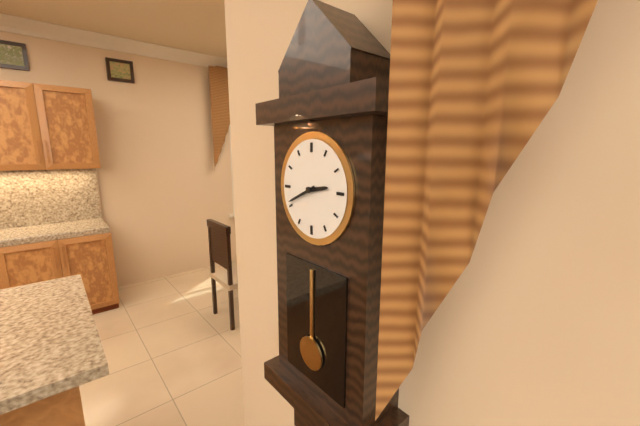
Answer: {"hour": 2, "minute": 41}
